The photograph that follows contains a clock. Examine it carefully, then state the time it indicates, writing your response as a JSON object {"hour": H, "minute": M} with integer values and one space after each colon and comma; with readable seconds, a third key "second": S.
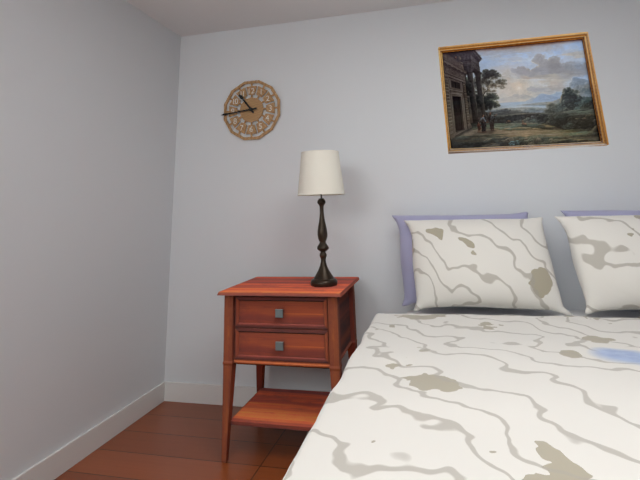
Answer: {"hour": 10, "minute": 44}
